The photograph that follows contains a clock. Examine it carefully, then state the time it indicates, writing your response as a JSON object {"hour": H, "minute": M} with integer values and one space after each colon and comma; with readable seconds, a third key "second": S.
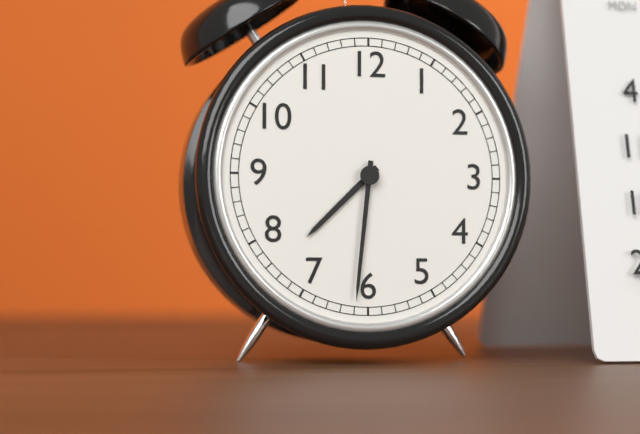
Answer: {"hour": 7, "minute": 31}
